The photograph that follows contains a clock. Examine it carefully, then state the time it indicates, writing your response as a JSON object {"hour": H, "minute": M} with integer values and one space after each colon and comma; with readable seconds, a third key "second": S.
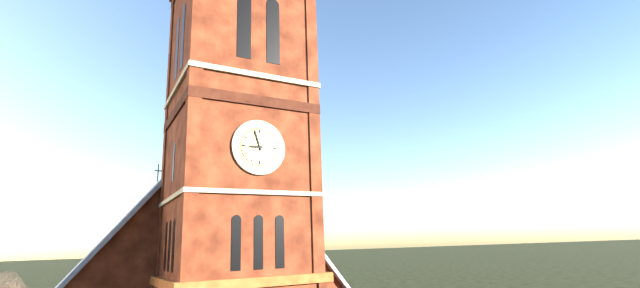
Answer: {"hour": 8, "minute": 57}
